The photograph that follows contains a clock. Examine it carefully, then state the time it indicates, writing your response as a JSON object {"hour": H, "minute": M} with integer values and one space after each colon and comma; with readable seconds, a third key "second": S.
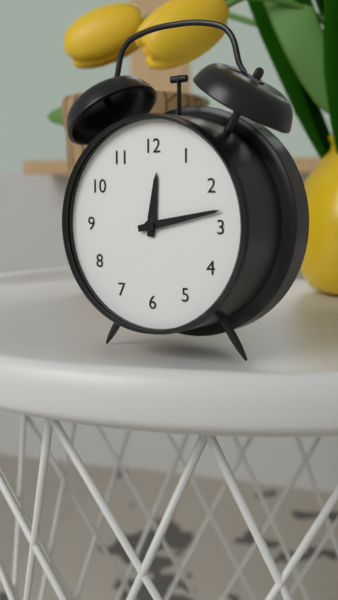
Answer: {"hour": 12, "minute": 13}
